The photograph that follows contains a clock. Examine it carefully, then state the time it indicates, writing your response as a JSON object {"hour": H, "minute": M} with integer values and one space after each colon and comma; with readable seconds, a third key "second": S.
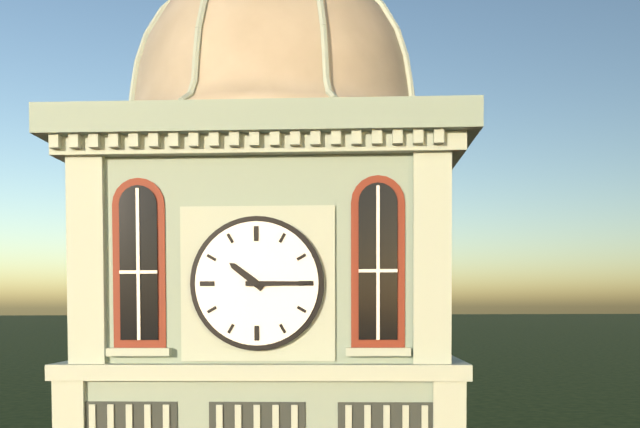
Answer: {"hour": 10, "minute": 15}
